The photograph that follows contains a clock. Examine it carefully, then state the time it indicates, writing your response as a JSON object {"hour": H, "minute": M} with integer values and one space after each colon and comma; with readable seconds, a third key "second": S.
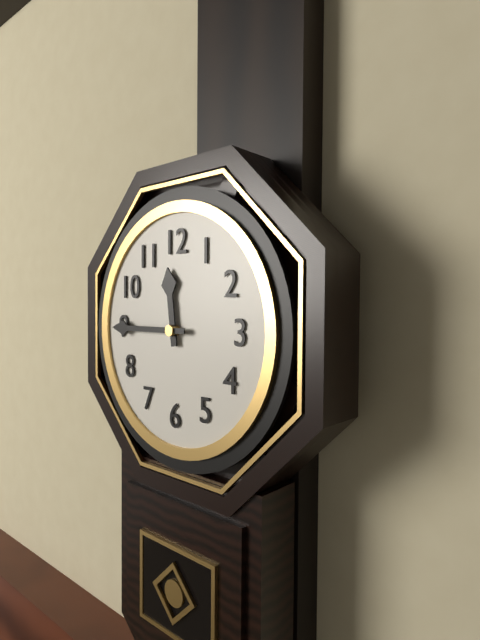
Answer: {"hour": 11, "minute": 45}
